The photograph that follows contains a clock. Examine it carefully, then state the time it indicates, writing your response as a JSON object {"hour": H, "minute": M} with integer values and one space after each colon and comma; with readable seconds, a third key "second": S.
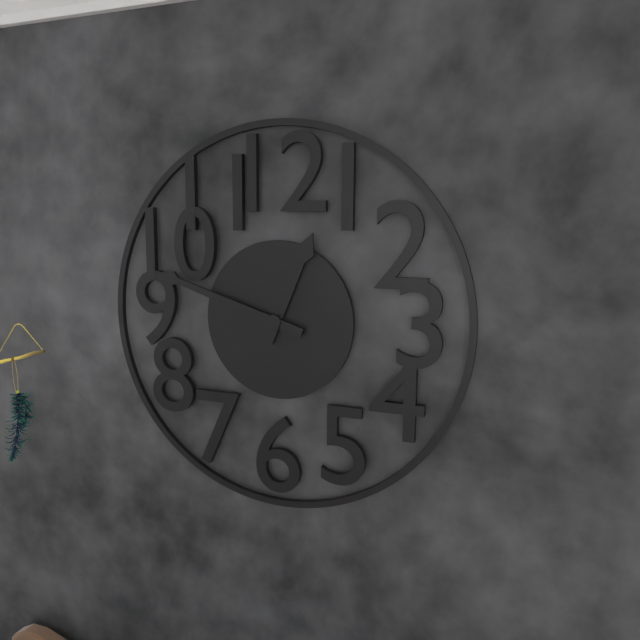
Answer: {"hour": 12, "minute": 48}
